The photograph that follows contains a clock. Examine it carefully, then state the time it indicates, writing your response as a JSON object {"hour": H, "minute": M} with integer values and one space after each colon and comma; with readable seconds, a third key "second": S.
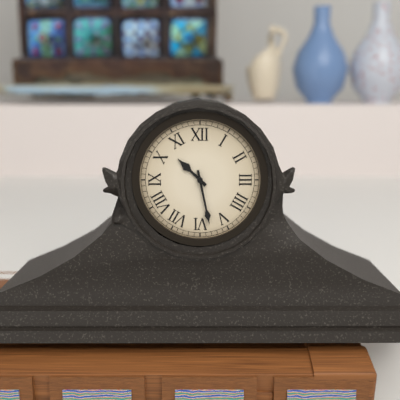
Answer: {"hour": 10, "minute": 28}
